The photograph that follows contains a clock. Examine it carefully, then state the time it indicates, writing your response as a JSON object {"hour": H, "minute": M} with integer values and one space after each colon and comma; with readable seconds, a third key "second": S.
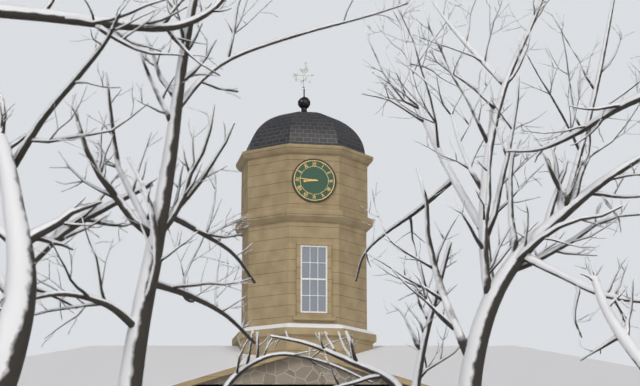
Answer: {"hour": 8, "minute": 46}
